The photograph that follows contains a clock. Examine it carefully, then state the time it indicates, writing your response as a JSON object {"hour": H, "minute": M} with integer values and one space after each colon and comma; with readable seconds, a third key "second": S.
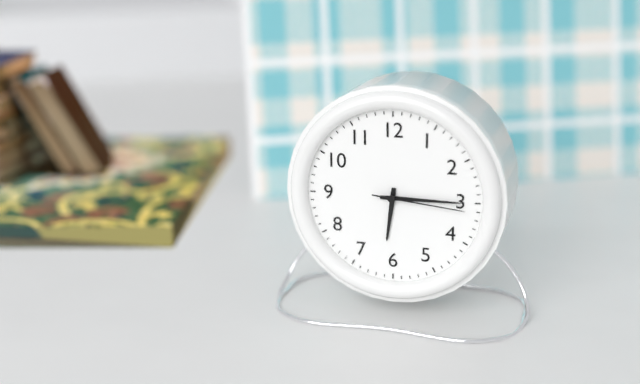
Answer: {"hour": 6, "minute": 15, "second": 16}
